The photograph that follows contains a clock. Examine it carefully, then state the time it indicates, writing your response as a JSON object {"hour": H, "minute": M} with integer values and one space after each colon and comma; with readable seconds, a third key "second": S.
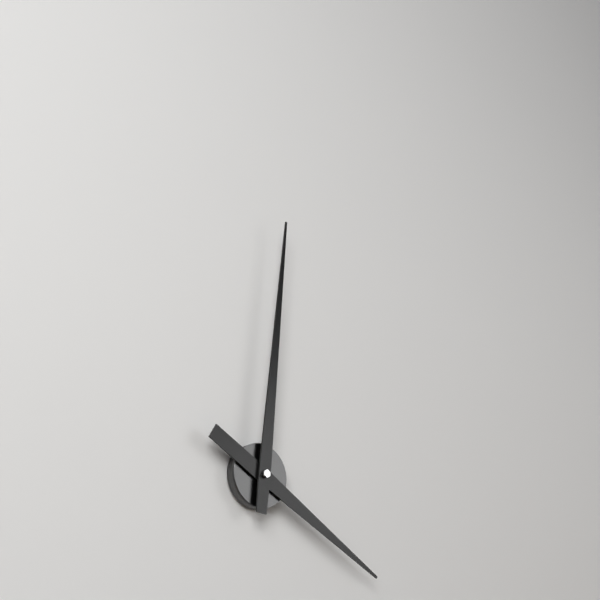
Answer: {"hour": 4, "minute": 1}
